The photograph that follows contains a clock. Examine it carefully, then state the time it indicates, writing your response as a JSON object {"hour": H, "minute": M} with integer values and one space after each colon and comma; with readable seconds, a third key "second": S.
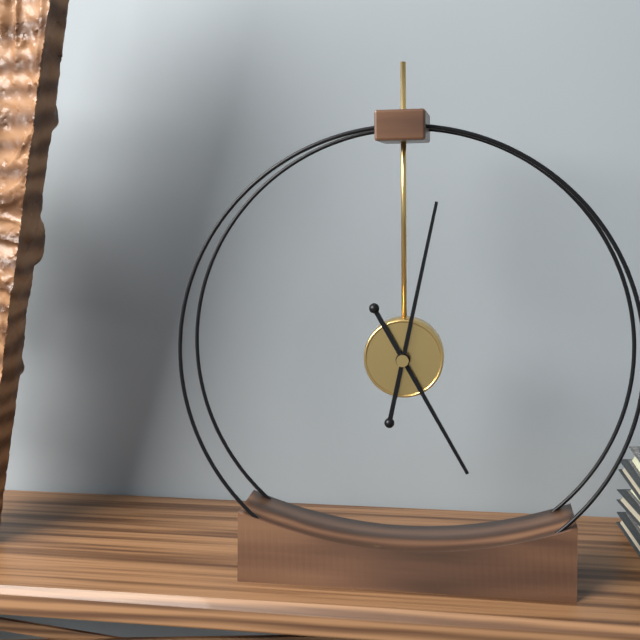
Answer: {"hour": 5, "minute": 2}
